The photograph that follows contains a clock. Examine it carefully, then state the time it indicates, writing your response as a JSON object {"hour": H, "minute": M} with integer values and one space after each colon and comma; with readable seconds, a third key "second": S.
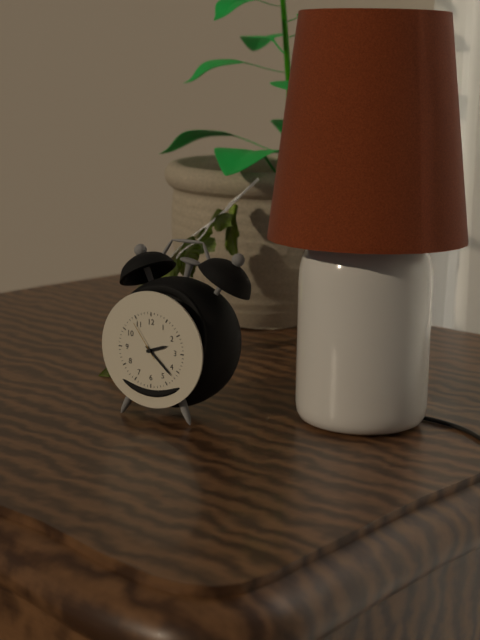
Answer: {"hour": 2, "minute": 22}
